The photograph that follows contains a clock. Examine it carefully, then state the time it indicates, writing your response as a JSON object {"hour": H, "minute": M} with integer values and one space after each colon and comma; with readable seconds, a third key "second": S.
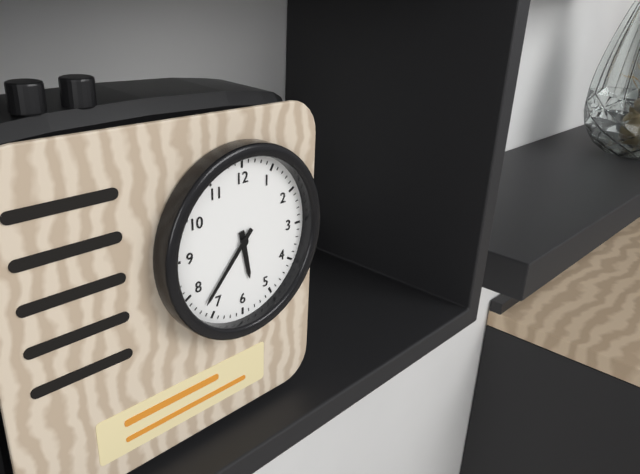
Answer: {"hour": 5, "minute": 37}
